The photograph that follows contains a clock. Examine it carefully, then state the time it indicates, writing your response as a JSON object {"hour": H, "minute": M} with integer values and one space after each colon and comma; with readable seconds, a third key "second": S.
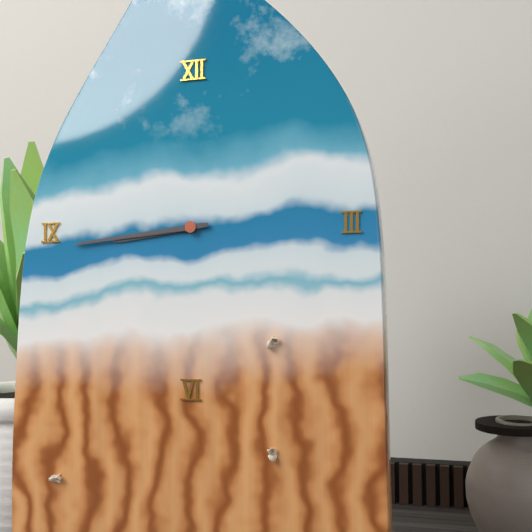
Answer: {"hour": 8, "minute": 44}
